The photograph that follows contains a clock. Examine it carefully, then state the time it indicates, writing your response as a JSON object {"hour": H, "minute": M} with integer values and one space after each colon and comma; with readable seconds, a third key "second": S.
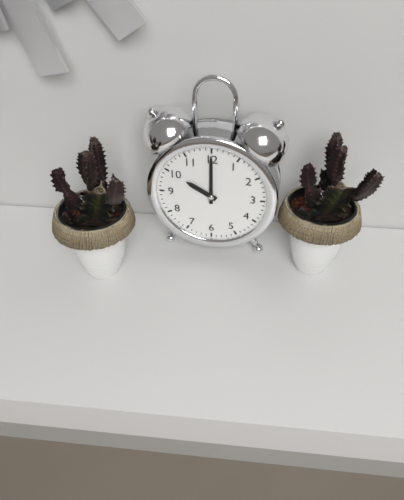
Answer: {"hour": 10, "minute": 0}
